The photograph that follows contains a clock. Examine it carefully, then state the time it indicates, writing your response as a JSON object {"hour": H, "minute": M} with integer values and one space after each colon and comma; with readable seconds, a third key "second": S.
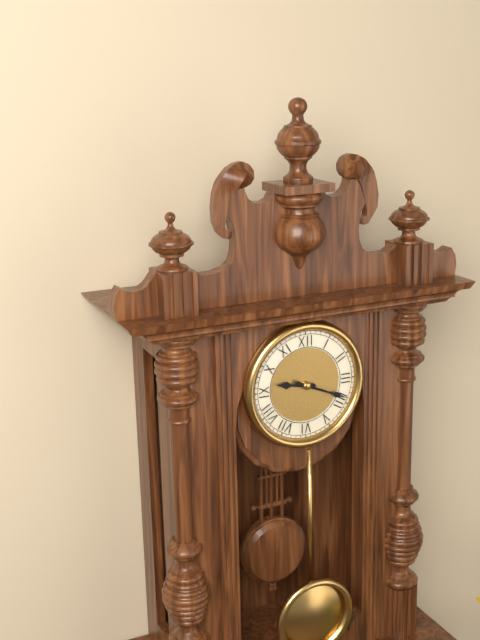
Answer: {"hour": 9, "minute": 19}
